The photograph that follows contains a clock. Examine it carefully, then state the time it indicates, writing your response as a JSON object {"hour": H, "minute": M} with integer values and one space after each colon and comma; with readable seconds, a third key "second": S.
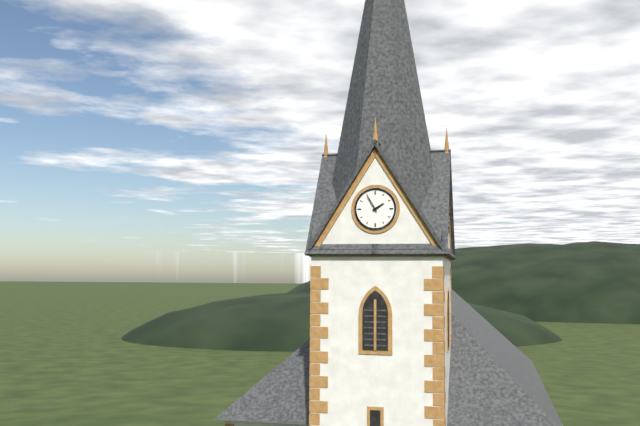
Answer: {"hour": 1, "minute": 55}
